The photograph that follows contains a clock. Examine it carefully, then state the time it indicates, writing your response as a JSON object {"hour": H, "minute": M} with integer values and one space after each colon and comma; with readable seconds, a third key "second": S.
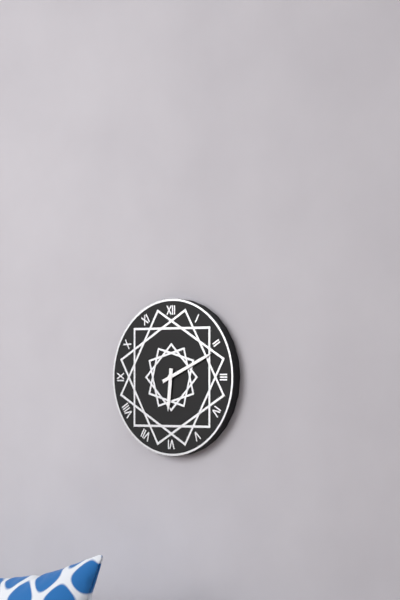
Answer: {"hour": 6, "minute": 11}
